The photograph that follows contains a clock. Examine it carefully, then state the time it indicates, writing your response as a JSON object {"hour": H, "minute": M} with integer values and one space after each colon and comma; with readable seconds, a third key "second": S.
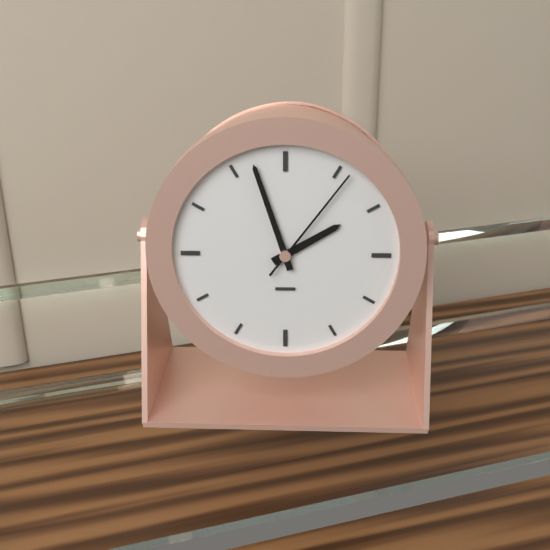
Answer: {"hour": 1, "minute": 57, "second": 6}
